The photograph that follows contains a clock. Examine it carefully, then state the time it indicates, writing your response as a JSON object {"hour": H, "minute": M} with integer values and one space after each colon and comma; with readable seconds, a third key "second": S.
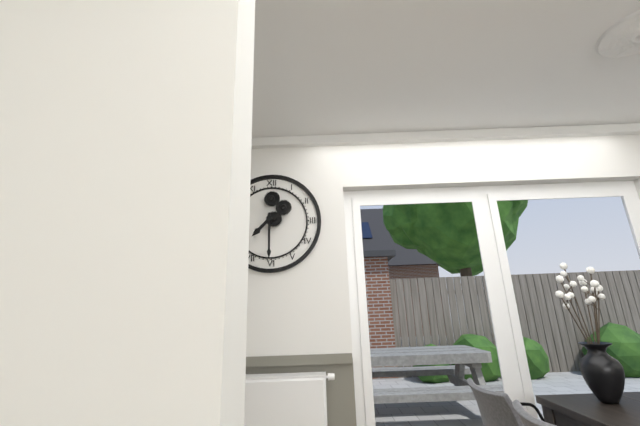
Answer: {"hour": 7, "minute": 30}
